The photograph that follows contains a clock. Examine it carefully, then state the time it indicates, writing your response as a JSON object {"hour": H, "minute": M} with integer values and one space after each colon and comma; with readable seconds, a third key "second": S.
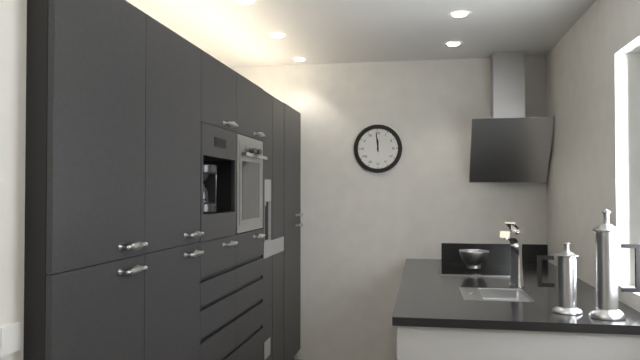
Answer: {"hour": 11, "minute": 59}
